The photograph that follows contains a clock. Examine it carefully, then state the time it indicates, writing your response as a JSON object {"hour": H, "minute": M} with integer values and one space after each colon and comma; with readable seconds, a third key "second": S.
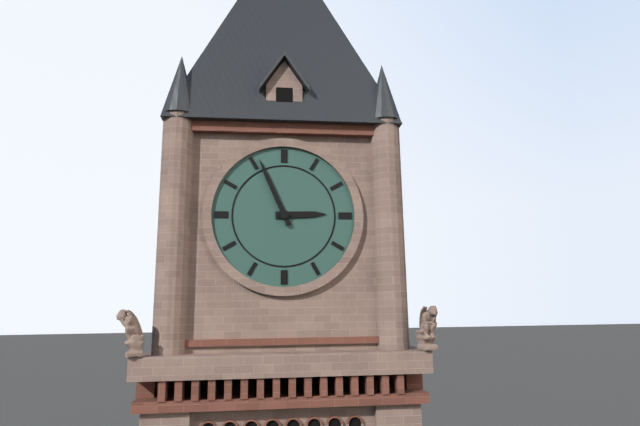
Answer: {"hour": 2, "minute": 56}
